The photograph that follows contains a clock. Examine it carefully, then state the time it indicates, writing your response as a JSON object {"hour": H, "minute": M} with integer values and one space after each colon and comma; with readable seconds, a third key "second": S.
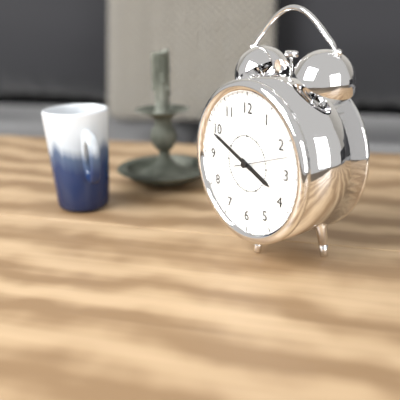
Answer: {"hour": 3, "minute": 49, "second": 12}
